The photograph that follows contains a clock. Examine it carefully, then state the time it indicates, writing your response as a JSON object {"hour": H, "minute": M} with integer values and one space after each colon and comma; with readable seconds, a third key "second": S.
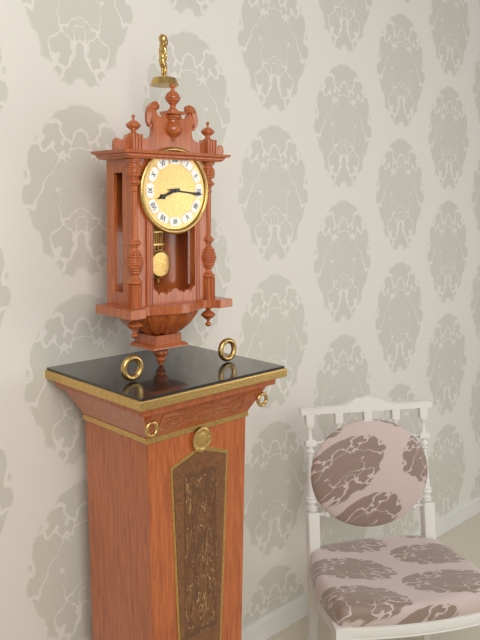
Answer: {"hour": 8, "minute": 16}
